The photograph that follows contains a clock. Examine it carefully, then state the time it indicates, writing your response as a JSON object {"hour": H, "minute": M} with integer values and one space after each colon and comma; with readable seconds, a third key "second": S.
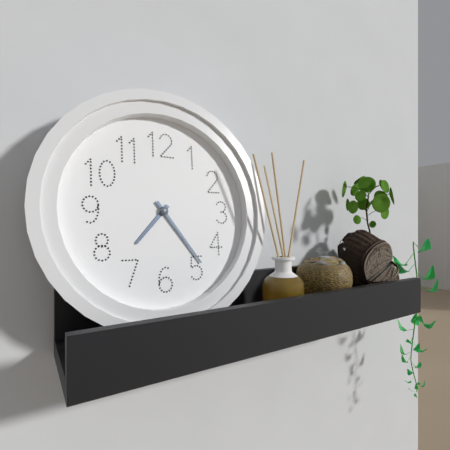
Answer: {"hour": 7, "minute": 24}
